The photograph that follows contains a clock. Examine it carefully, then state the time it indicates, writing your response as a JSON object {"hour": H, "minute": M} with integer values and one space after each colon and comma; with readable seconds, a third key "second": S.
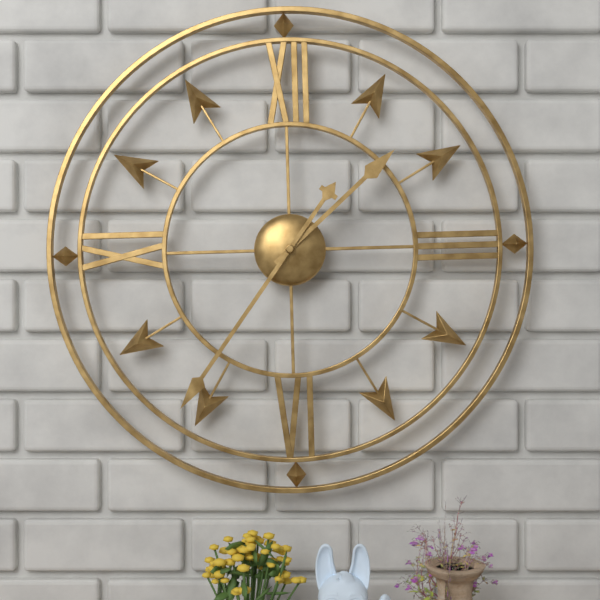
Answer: {"hour": 1, "minute": 36}
